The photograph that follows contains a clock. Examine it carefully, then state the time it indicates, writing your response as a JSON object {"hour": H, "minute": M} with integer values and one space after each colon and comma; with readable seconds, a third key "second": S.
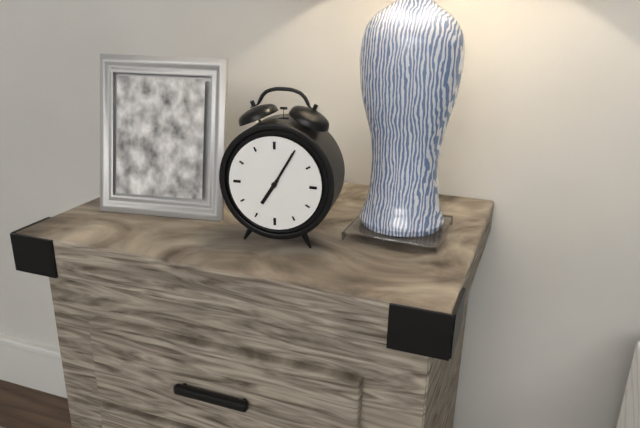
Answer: {"hour": 7, "minute": 5}
